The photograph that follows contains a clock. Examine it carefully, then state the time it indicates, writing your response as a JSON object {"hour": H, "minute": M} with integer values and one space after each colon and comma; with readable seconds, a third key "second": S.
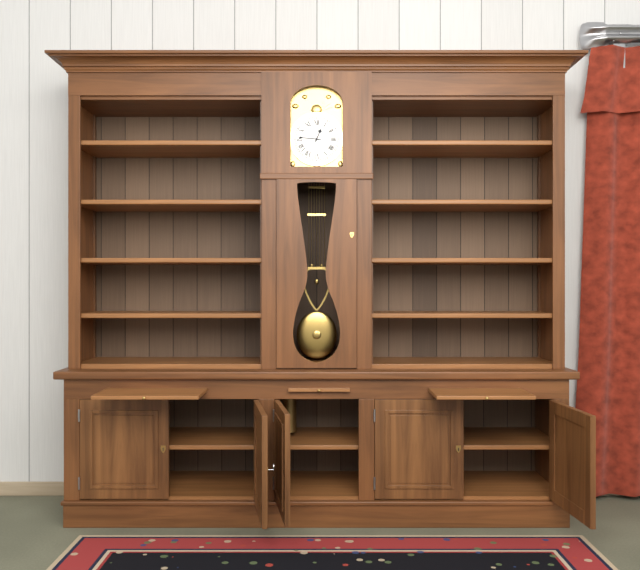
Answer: {"hour": 12, "minute": 46}
